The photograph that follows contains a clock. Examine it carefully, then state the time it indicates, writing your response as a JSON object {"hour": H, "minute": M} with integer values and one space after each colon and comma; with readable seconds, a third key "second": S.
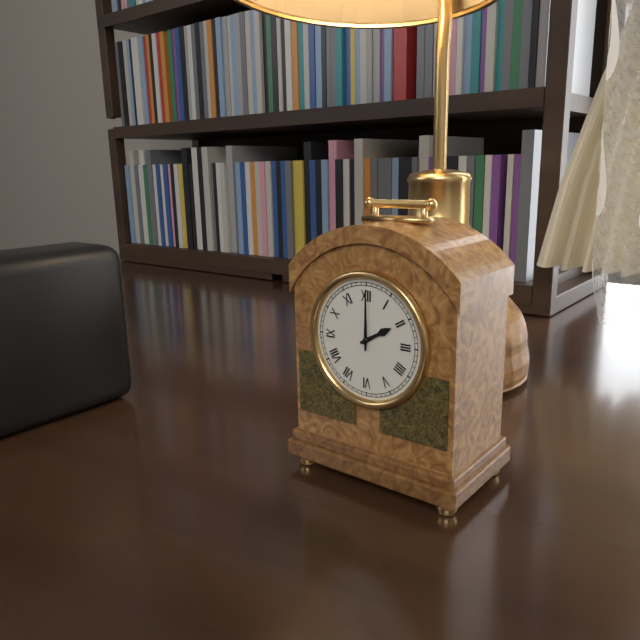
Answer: {"hour": 2, "minute": 0}
